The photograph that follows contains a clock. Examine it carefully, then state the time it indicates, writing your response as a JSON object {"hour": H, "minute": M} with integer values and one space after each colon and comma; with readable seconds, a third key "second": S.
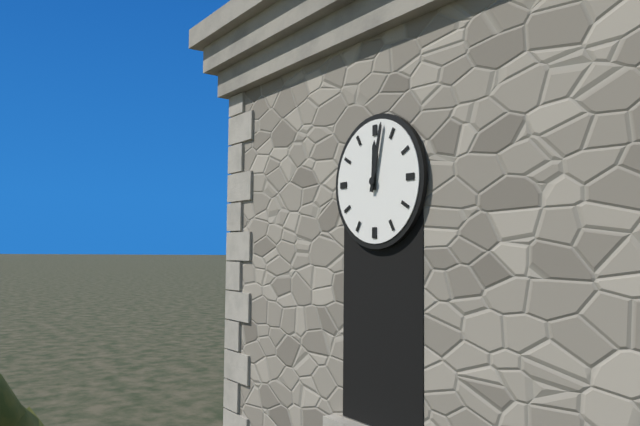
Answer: {"hour": 12, "minute": 2}
